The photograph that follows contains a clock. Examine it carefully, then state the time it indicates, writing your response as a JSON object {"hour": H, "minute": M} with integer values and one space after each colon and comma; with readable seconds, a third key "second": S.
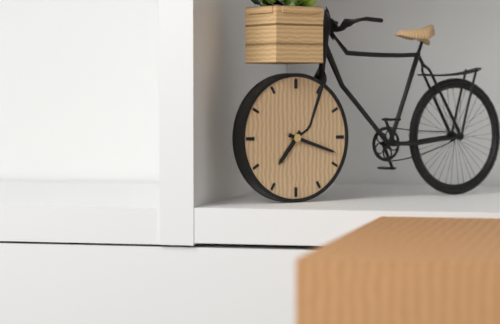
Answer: {"hour": 7, "minute": 18}
